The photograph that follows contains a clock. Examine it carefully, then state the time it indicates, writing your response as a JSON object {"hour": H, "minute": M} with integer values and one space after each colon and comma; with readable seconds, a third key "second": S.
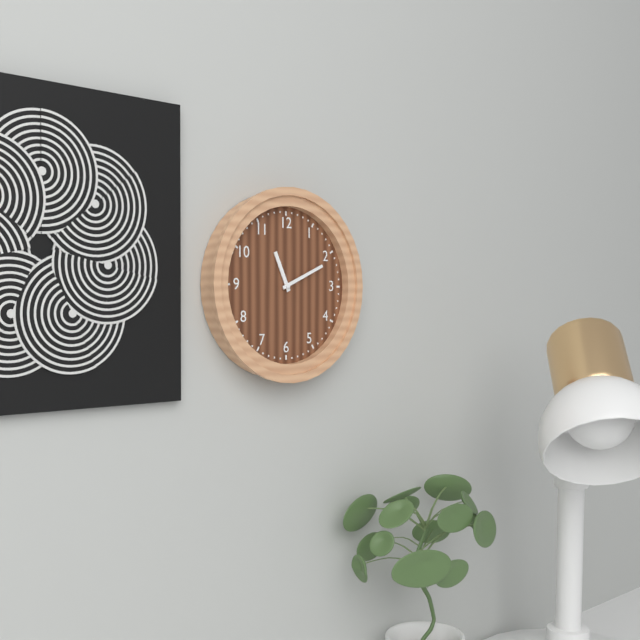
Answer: {"hour": 11, "minute": 11}
